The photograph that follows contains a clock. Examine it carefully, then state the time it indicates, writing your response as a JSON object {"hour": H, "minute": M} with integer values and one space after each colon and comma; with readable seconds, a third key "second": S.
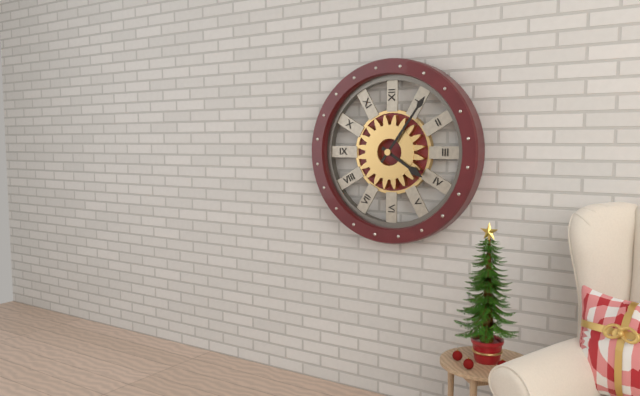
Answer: {"hour": 4, "minute": 6}
